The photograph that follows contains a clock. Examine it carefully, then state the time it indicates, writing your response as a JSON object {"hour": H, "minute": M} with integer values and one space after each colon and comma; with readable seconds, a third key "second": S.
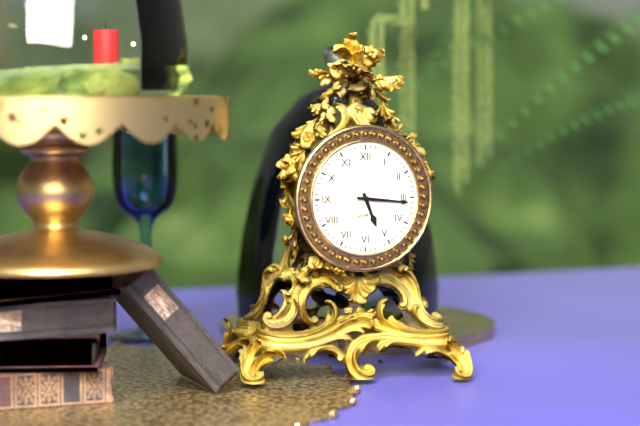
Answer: {"hour": 5, "minute": 16}
